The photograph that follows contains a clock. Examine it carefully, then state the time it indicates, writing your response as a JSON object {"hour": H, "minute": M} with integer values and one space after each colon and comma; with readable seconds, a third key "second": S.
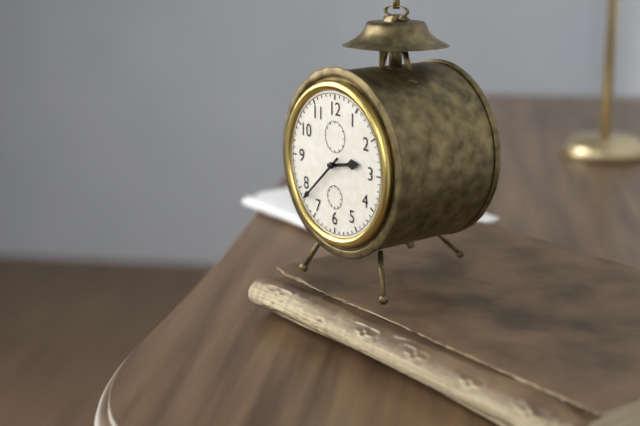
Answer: {"hour": 2, "minute": 38}
